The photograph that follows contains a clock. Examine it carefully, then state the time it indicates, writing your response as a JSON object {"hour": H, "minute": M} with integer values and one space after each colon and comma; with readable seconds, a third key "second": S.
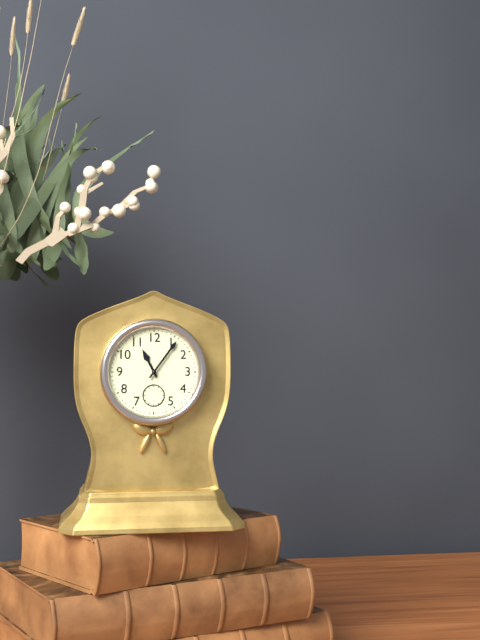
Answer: {"hour": 11, "minute": 6}
